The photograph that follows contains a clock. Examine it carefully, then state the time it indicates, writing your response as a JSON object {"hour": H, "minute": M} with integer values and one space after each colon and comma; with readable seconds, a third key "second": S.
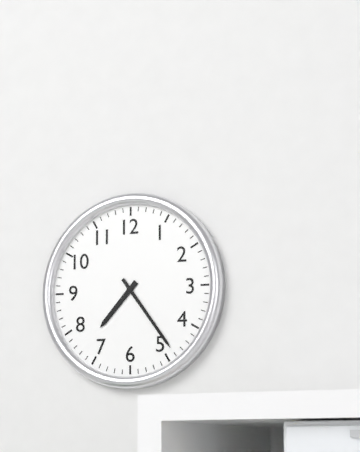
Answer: {"hour": 7, "minute": 24}
